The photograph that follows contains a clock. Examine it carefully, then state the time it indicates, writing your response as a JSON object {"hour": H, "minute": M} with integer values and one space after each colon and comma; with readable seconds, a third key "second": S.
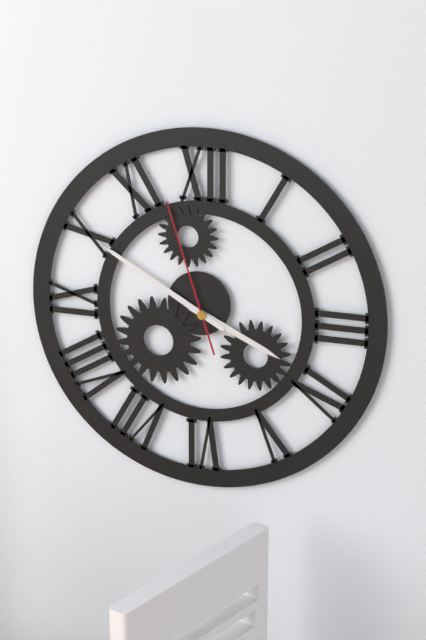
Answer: {"hour": 3, "minute": 50, "second": 57}
